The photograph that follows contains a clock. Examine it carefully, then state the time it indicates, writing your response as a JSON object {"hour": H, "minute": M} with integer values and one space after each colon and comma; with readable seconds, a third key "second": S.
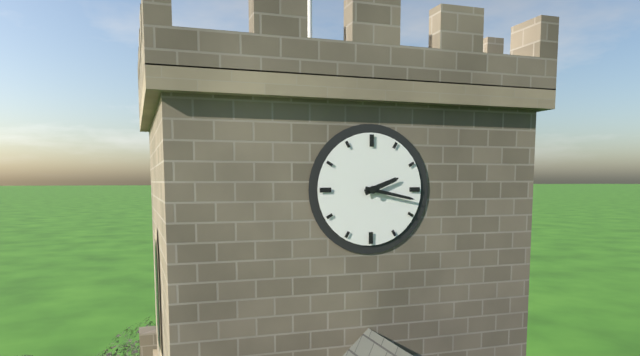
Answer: {"hour": 2, "minute": 17}
